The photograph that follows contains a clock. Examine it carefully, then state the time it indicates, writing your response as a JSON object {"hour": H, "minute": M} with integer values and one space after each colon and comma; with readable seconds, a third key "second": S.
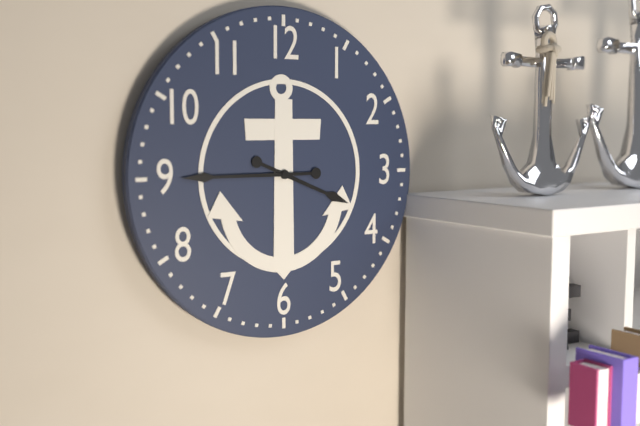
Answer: {"hour": 3, "minute": 45}
